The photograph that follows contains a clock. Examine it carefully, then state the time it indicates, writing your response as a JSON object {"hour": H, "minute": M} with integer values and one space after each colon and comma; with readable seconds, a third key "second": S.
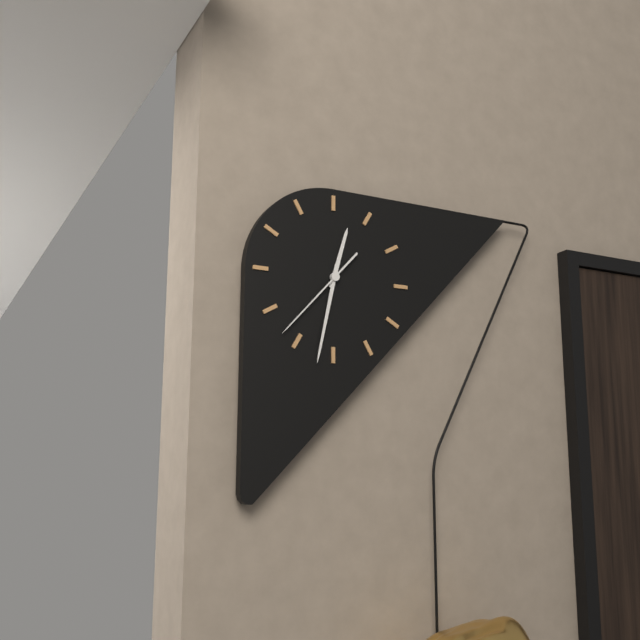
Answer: {"hour": 12, "minute": 32, "second": 37}
